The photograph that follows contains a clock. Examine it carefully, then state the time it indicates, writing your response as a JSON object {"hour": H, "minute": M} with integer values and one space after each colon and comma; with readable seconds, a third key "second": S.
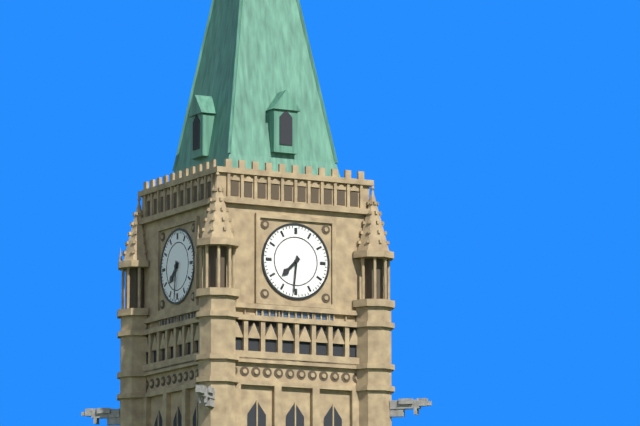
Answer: {"hour": 7, "minute": 31}
